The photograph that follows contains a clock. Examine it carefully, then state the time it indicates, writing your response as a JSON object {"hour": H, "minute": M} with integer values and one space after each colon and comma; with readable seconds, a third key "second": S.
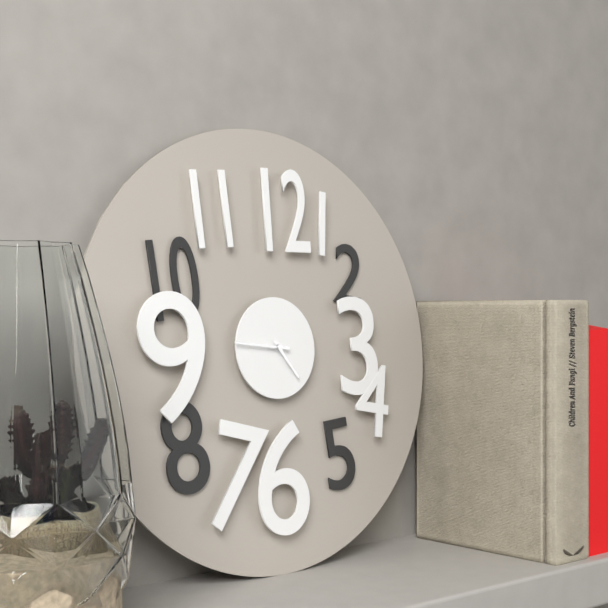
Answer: {"hour": 4, "minute": 46}
